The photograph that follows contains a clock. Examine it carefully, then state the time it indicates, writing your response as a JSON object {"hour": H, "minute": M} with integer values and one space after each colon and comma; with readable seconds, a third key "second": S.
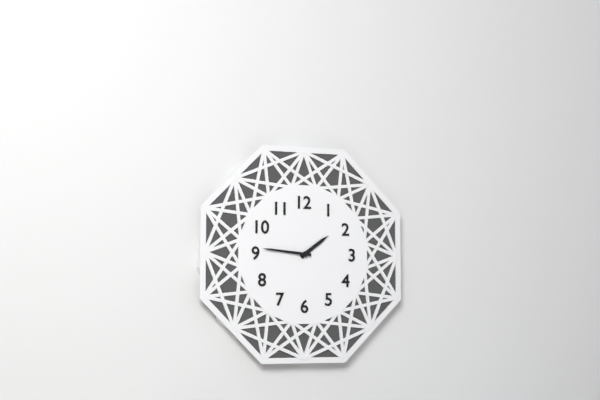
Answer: {"hour": 1, "minute": 46}
